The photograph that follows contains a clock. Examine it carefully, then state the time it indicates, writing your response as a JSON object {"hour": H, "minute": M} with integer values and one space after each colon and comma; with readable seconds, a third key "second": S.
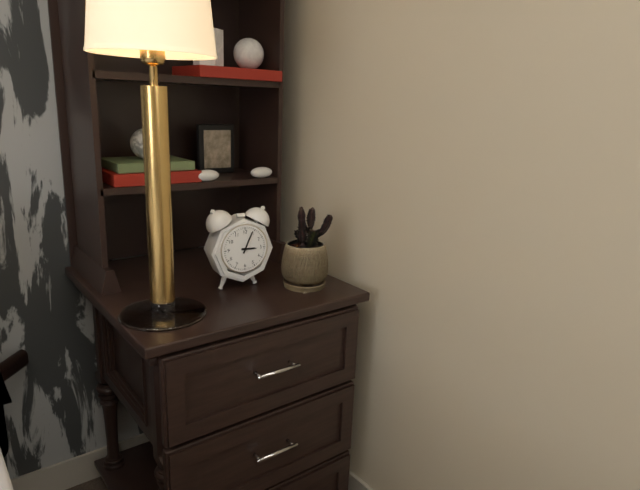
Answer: {"hour": 3, "minute": 4}
